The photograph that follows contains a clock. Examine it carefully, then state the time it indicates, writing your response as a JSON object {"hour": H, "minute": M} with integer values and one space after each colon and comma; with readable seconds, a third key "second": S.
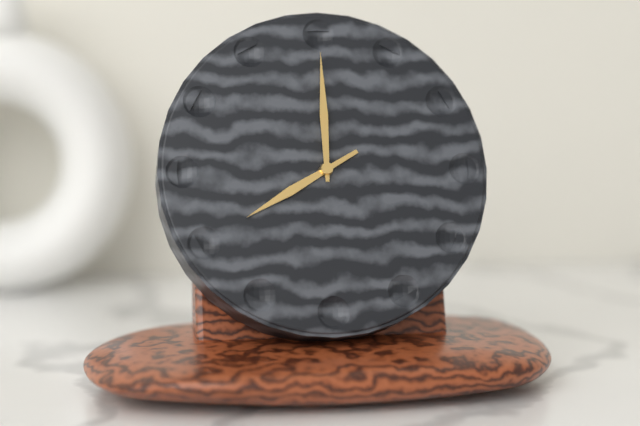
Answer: {"hour": 8, "minute": 0}
